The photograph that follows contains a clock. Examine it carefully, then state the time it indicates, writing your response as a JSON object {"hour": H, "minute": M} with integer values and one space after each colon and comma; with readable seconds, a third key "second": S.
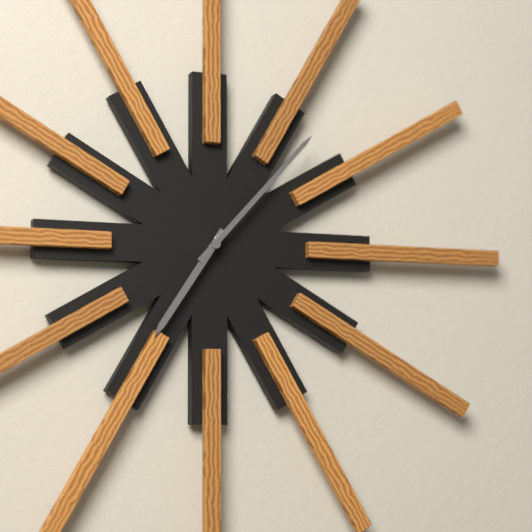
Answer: {"hour": 7, "minute": 7}
